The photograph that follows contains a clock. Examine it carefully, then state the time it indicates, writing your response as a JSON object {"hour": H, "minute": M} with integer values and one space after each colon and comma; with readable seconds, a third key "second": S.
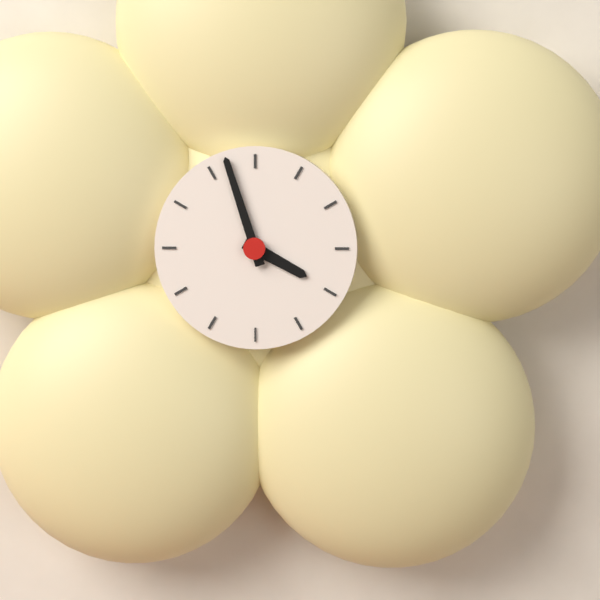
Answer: {"hour": 3, "minute": 57}
